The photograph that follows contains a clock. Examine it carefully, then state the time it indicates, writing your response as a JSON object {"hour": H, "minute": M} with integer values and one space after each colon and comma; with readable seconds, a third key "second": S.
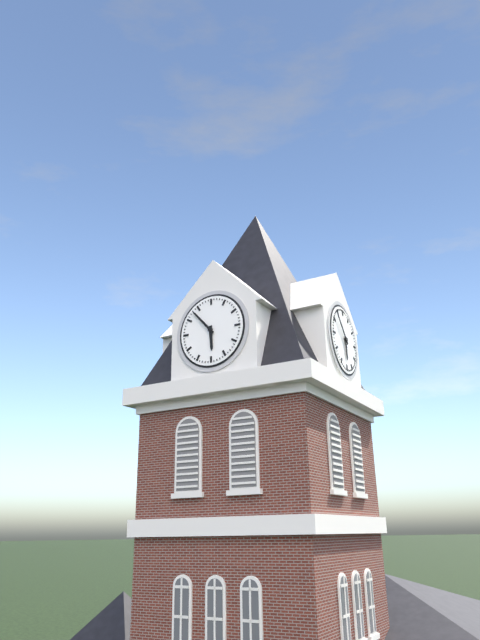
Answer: {"hour": 5, "minute": 53}
